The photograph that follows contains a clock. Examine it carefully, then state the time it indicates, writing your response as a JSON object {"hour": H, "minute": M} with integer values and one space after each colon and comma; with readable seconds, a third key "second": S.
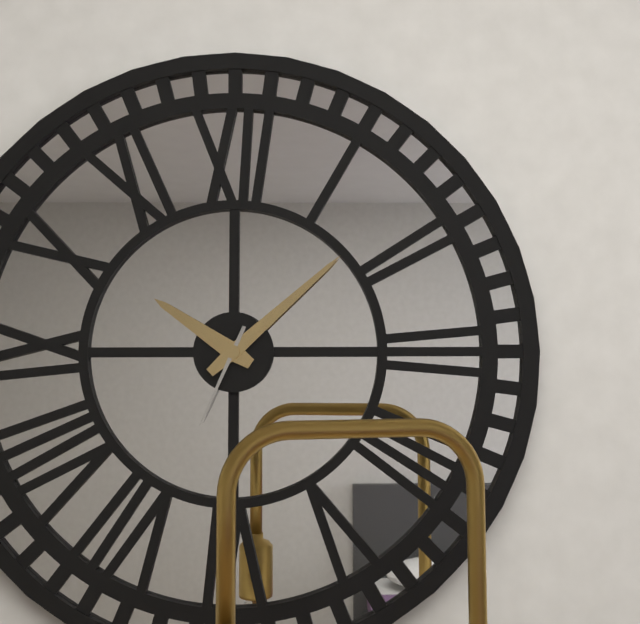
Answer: {"hour": 10, "minute": 8, "second": 34}
